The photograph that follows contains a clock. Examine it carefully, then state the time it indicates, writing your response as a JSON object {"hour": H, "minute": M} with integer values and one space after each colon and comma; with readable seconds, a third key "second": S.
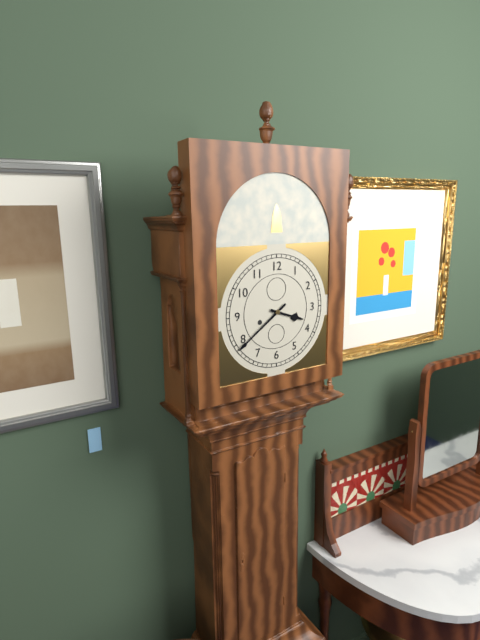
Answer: {"hour": 3, "minute": 39}
